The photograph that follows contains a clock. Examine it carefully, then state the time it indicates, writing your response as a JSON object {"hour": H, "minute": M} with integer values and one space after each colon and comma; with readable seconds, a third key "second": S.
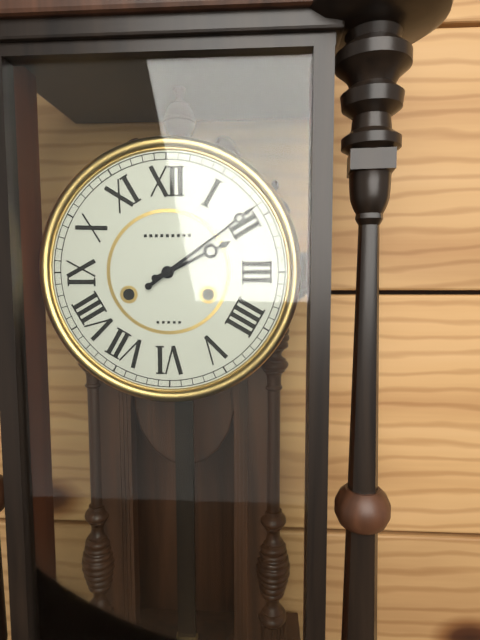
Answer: {"hour": 2, "minute": 9}
